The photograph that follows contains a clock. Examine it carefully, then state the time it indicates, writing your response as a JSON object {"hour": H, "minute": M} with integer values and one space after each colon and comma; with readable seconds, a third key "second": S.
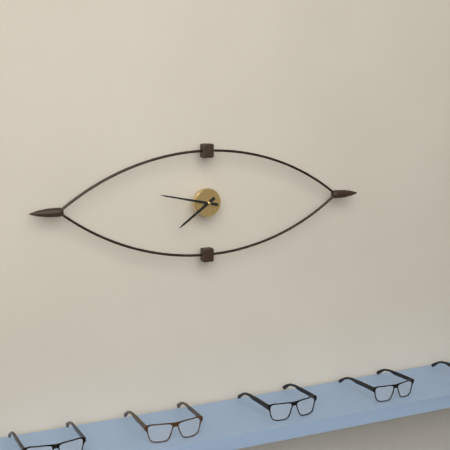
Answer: {"hour": 7, "minute": 47}
